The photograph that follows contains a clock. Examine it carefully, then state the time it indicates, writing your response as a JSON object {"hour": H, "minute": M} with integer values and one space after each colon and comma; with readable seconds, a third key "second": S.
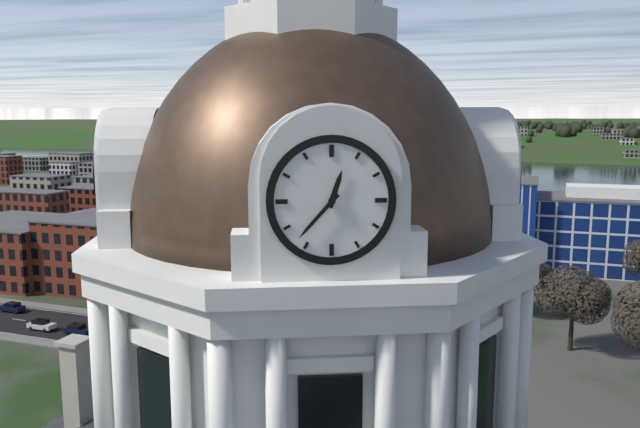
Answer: {"hour": 12, "minute": 37}
